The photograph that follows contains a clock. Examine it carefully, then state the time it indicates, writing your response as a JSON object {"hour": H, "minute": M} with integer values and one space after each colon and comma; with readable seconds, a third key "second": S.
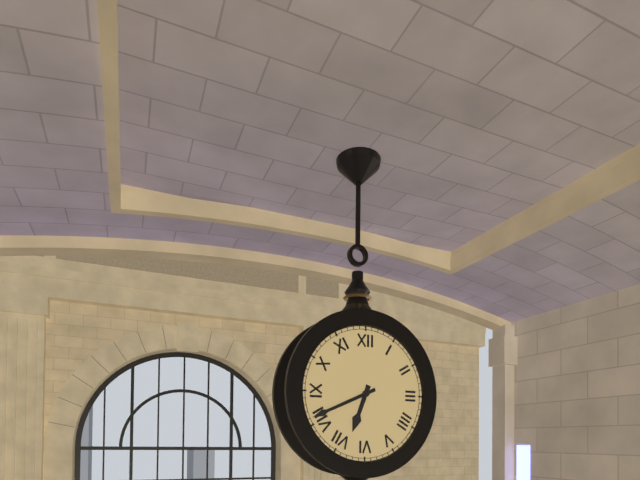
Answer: {"hour": 6, "minute": 41}
